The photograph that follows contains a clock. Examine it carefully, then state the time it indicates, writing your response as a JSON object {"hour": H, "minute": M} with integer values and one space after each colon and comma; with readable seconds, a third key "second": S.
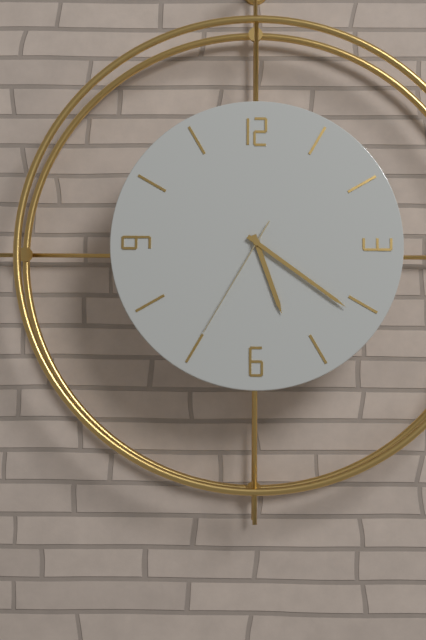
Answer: {"hour": 5, "minute": 21, "second": 35}
